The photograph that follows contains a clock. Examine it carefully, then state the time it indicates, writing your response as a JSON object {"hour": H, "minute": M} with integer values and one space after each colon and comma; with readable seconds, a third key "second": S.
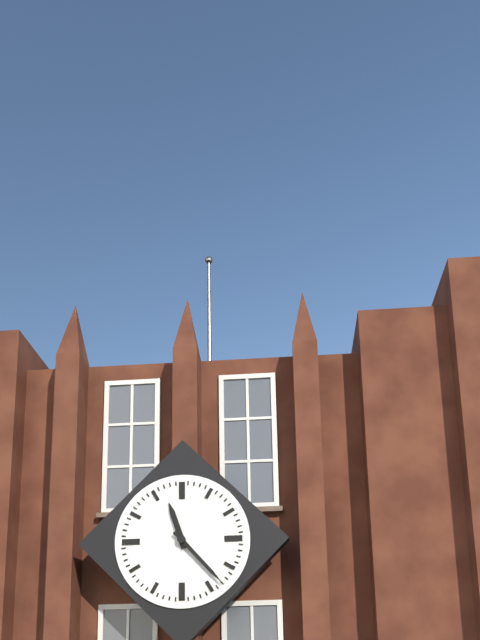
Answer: {"hour": 11, "minute": 23}
